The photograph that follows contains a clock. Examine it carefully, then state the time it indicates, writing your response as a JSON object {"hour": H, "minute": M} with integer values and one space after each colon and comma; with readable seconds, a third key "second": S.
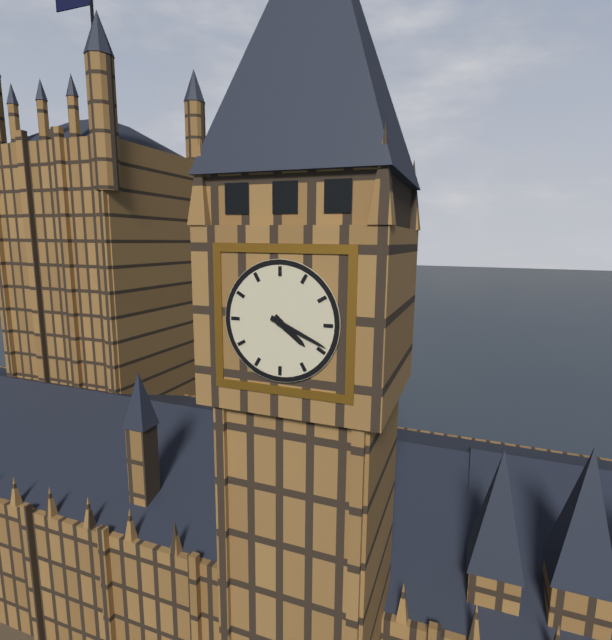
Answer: {"hour": 4, "minute": 19}
